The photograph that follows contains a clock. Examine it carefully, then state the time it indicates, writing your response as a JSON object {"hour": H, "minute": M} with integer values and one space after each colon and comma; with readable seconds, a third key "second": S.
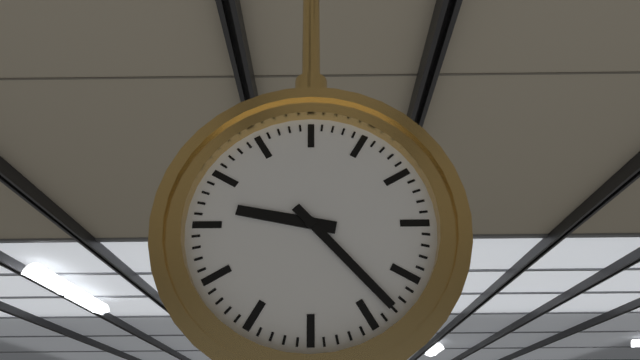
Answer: {"hour": 9, "minute": 23}
